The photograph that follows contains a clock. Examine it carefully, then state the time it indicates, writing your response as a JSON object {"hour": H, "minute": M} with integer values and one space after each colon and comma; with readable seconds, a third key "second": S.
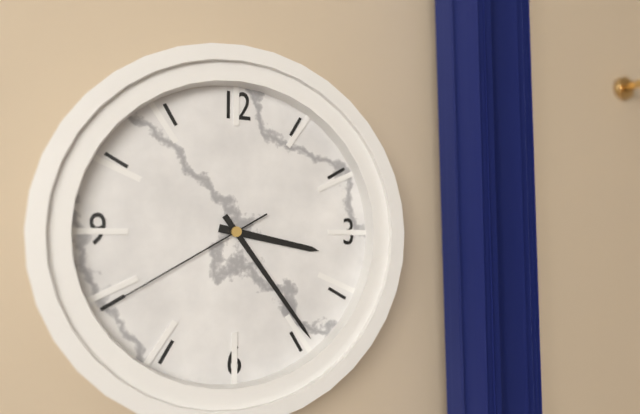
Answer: {"hour": 3, "minute": 24, "second": 40}
